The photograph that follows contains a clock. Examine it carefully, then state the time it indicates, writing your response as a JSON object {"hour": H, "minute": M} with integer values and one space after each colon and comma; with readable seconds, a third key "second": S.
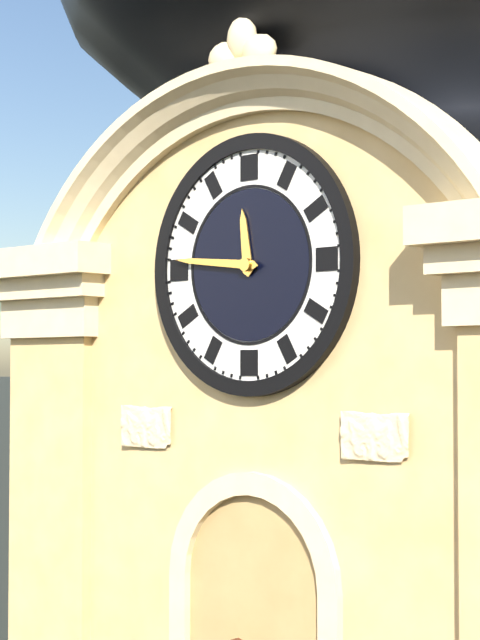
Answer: {"hour": 11, "minute": 46}
